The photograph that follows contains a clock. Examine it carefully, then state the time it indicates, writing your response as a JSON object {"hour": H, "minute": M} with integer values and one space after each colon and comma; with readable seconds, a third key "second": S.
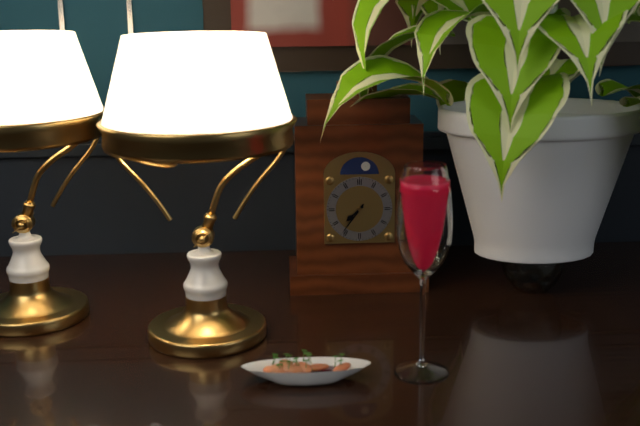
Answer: {"hour": 7, "minute": 36}
